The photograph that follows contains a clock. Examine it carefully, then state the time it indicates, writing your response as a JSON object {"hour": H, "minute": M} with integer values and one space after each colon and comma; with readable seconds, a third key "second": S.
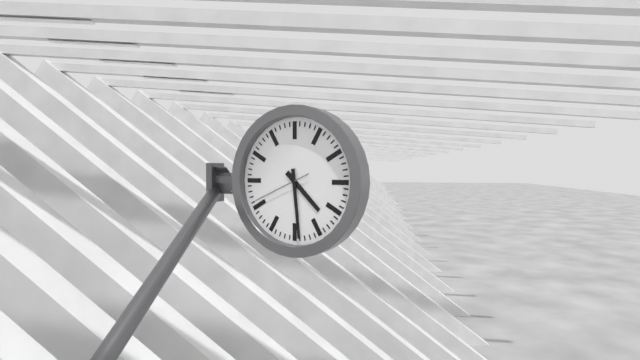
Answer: {"hour": 4, "minute": 29, "second": 41}
